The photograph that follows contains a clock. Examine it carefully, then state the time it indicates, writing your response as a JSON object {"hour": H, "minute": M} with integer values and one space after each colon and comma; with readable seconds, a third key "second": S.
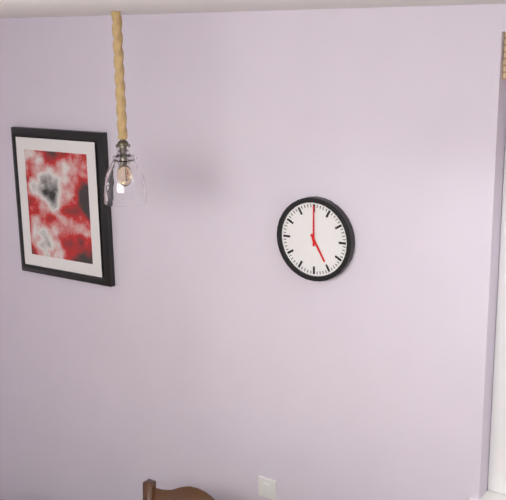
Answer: {"hour": 5, "minute": 0}
